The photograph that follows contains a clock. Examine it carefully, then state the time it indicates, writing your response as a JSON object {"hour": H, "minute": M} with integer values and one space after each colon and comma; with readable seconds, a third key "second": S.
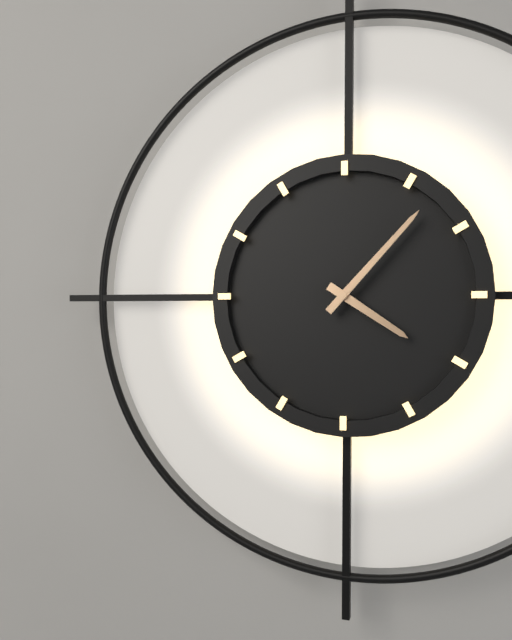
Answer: {"hour": 4, "minute": 7}
